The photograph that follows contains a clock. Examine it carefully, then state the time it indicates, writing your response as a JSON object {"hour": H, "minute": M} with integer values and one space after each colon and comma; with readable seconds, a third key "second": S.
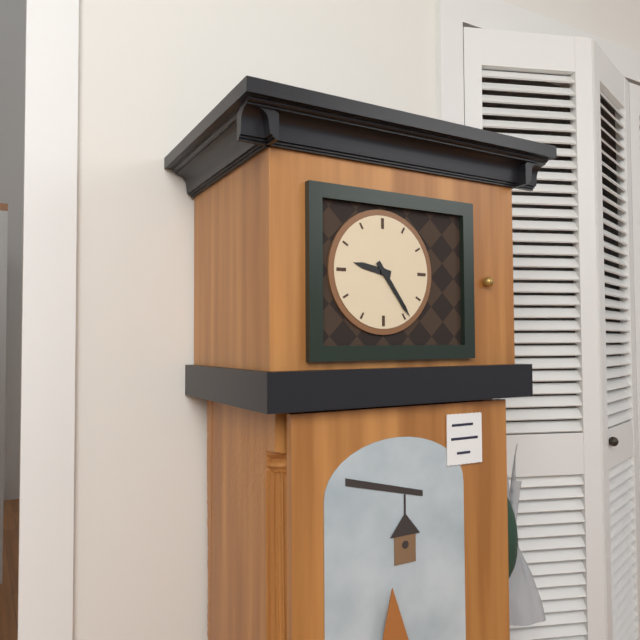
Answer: {"hour": 9, "minute": 24}
